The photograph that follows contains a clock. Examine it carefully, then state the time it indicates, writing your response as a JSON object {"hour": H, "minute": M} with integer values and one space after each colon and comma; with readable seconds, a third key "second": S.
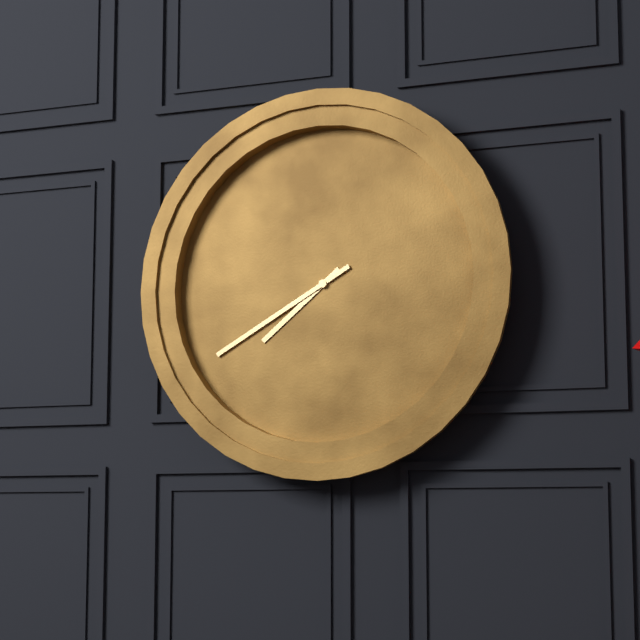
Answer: {"hour": 7, "minute": 40}
